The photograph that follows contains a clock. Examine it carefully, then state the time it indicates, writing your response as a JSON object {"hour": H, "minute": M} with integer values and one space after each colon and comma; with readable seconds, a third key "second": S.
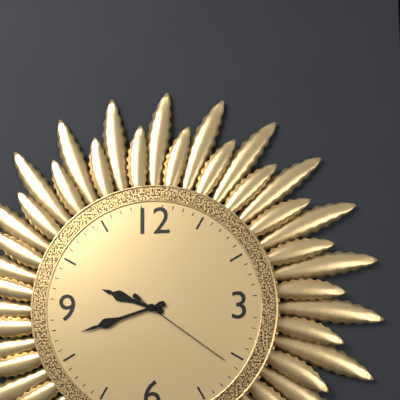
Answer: {"hour": 9, "minute": 42, "second": 21}
